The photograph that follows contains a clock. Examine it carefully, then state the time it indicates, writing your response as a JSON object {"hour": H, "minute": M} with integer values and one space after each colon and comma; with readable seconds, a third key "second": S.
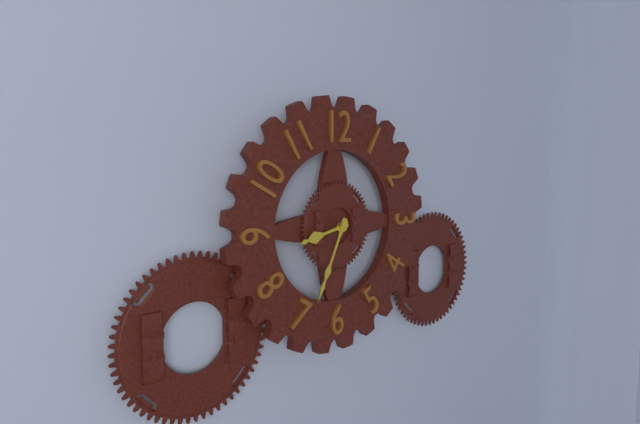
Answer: {"hour": 8, "minute": 34}
